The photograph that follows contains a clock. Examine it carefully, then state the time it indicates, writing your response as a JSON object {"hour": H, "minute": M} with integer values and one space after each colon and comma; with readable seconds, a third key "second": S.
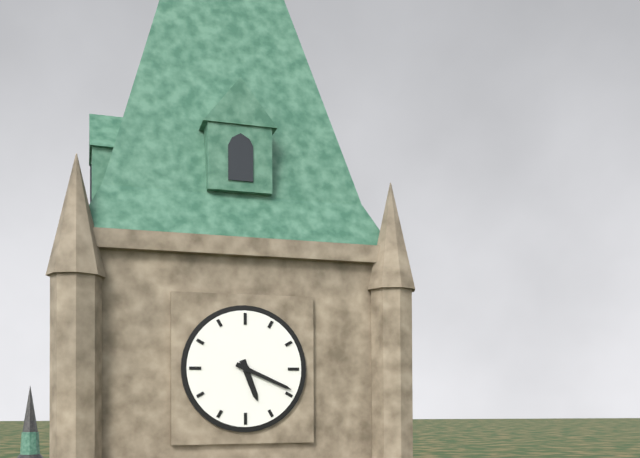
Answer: {"hour": 5, "minute": 19}
